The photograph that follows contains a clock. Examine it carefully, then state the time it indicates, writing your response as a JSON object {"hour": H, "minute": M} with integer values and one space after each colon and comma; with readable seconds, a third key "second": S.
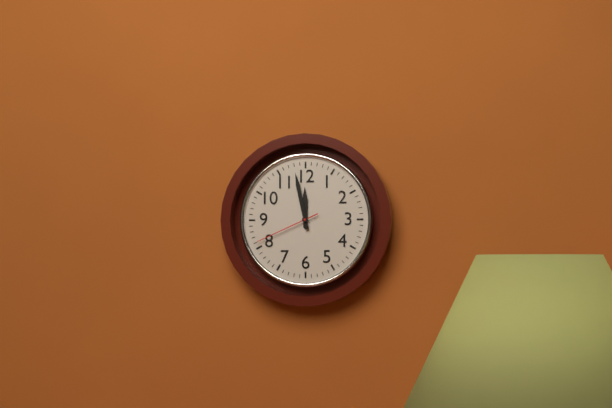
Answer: {"hour": 11, "minute": 58, "second": 41}
